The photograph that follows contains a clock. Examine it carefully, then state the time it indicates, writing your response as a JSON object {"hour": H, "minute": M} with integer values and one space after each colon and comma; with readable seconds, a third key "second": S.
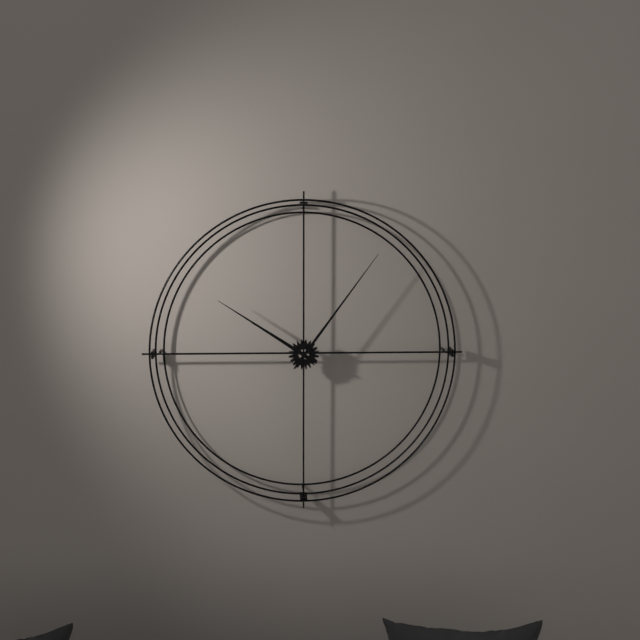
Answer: {"hour": 10, "minute": 6}
